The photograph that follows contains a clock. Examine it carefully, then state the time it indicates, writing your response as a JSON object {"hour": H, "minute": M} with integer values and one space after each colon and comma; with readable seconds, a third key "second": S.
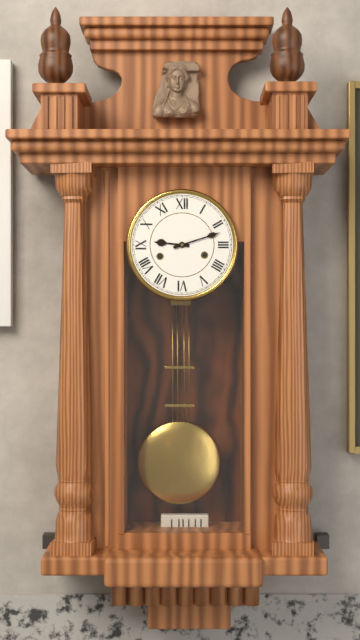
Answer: {"hour": 9, "minute": 12}
